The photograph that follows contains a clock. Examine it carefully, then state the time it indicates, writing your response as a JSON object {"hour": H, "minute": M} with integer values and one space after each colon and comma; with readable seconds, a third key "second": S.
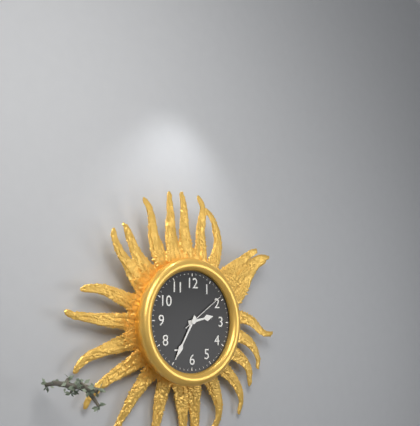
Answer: {"hour": 2, "minute": 35}
